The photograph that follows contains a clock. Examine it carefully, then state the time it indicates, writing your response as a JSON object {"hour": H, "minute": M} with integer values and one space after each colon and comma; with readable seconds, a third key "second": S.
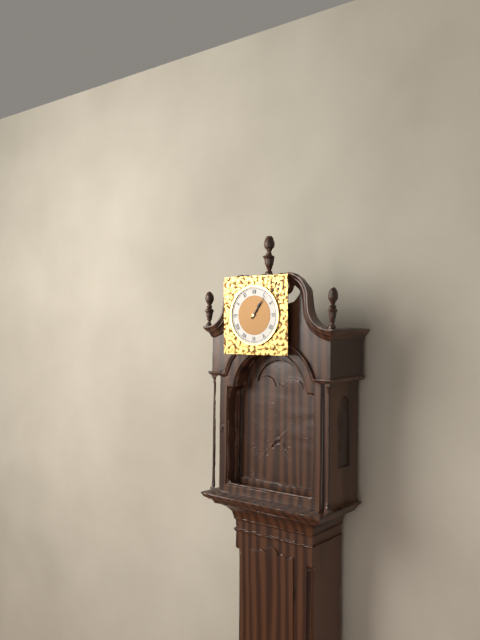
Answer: {"hour": 1, "minute": 6}
